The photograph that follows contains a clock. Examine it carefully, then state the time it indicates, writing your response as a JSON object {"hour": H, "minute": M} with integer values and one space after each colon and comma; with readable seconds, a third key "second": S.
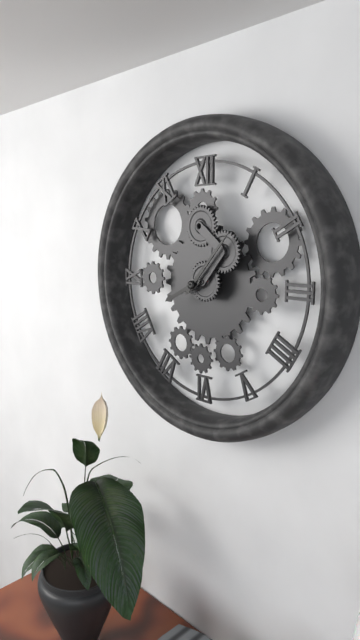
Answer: {"hour": 8, "minute": 7}
